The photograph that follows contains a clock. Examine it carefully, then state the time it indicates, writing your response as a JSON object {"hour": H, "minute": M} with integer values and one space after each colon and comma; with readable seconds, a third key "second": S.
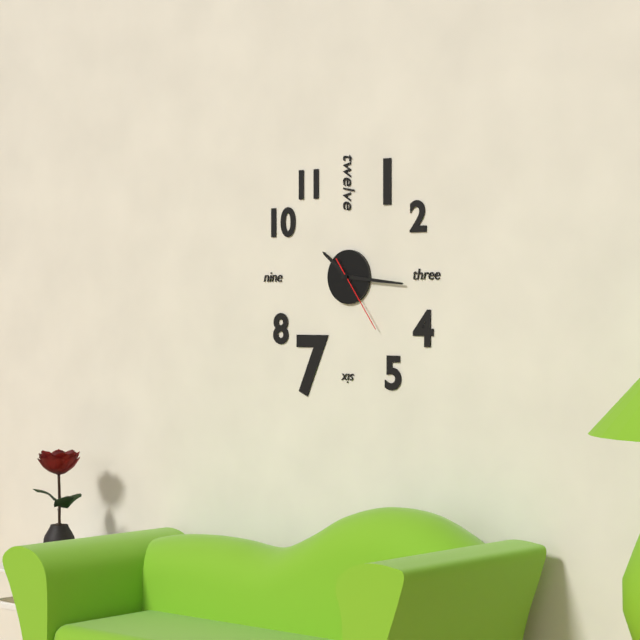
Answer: {"hour": 10, "minute": 16, "second": 24}
